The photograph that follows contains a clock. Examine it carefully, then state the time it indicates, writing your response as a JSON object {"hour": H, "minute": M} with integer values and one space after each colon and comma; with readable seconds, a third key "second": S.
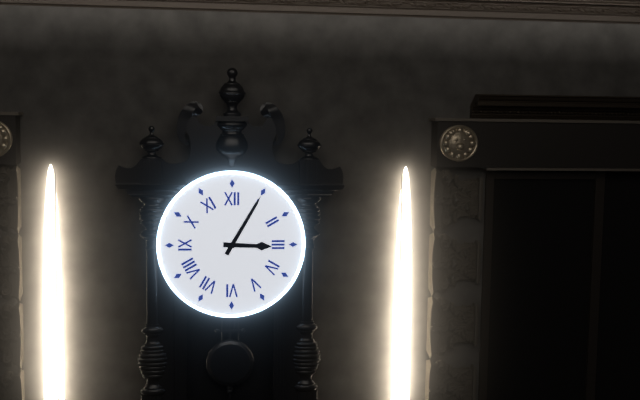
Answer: {"hour": 3, "minute": 5}
